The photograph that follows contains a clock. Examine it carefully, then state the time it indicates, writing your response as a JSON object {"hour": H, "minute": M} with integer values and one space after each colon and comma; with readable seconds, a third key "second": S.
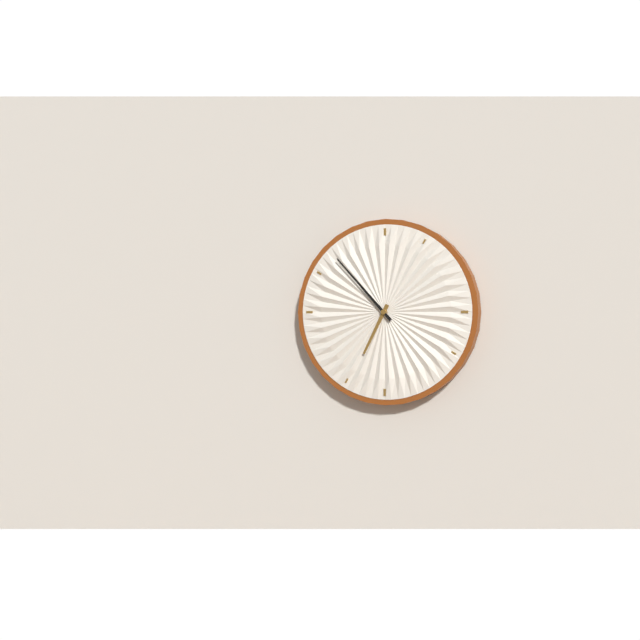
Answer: {"hour": 6, "minute": 53}
